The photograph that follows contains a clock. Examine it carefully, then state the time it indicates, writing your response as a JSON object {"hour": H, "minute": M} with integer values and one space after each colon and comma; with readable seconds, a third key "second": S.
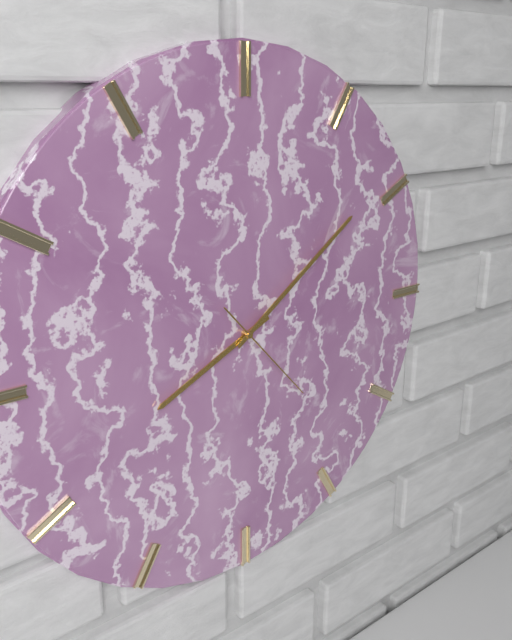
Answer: {"hour": 8, "minute": 9, "second": 23}
